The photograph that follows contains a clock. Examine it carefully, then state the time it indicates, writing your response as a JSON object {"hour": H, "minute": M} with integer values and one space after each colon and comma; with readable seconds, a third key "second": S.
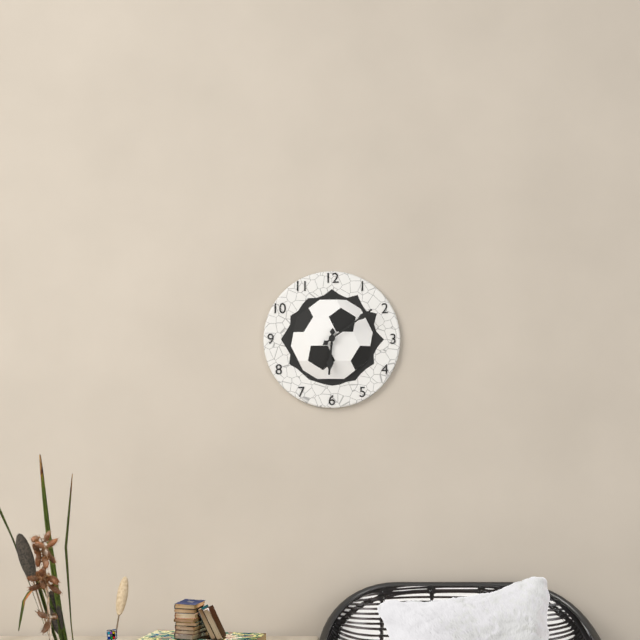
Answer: {"hour": 6, "minute": 9}
